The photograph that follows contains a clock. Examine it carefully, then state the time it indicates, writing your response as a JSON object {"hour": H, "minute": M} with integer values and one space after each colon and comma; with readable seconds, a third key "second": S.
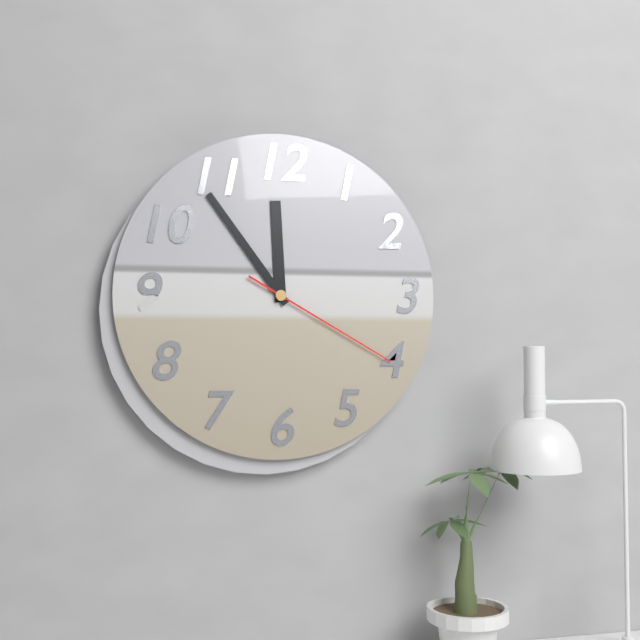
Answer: {"hour": 11, "minute": 54, "second": 20}
